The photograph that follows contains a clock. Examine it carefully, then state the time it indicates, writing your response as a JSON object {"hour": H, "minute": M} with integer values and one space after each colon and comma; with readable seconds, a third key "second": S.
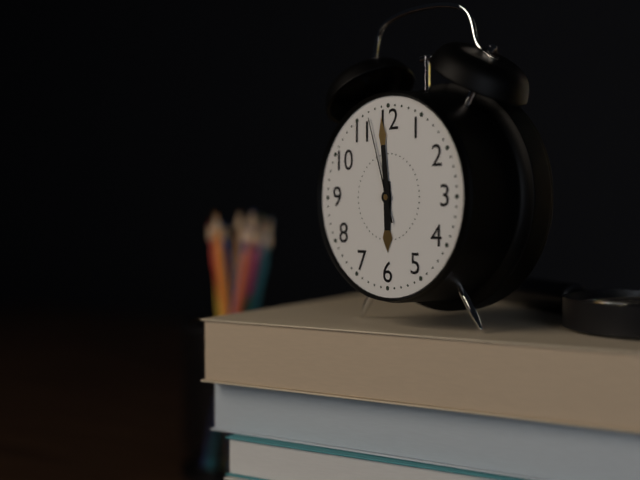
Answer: {"hour": 5, "minute": 59, "second": 57}
